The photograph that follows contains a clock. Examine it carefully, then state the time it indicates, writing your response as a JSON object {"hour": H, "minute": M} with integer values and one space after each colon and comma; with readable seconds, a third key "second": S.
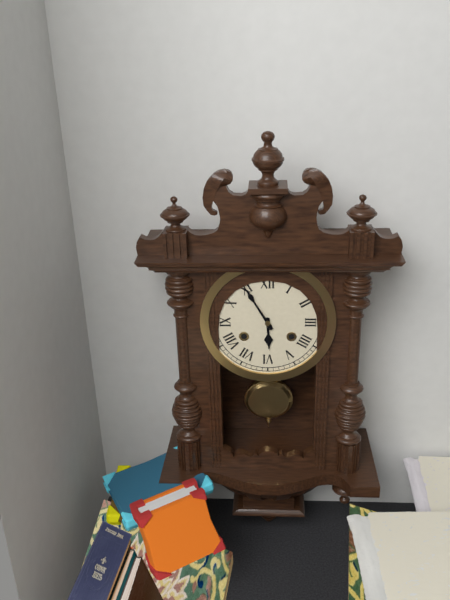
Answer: {"hour": 5, "minute": 55}
